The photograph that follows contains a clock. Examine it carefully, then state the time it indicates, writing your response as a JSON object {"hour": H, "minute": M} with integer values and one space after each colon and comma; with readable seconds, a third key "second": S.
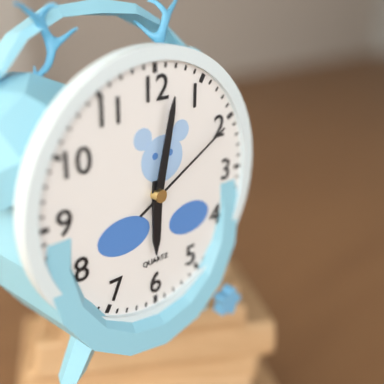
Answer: {"hour": 6, "minute": 2, "second": 10}
